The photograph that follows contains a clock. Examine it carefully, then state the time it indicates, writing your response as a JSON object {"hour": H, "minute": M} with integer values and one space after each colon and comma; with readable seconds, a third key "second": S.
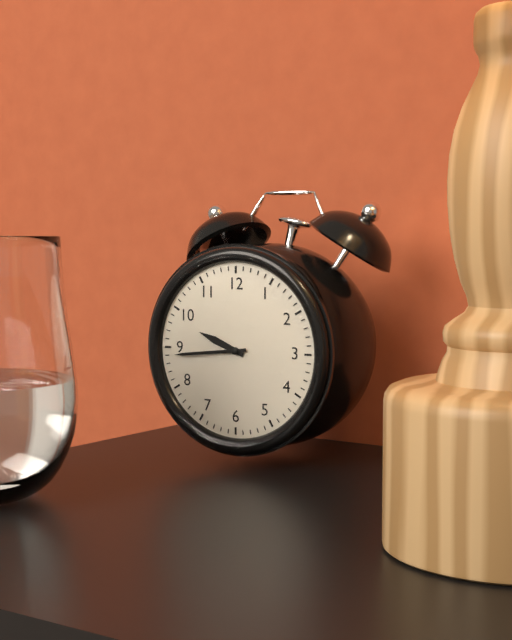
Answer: {"hour": 9, "minute": 44}
